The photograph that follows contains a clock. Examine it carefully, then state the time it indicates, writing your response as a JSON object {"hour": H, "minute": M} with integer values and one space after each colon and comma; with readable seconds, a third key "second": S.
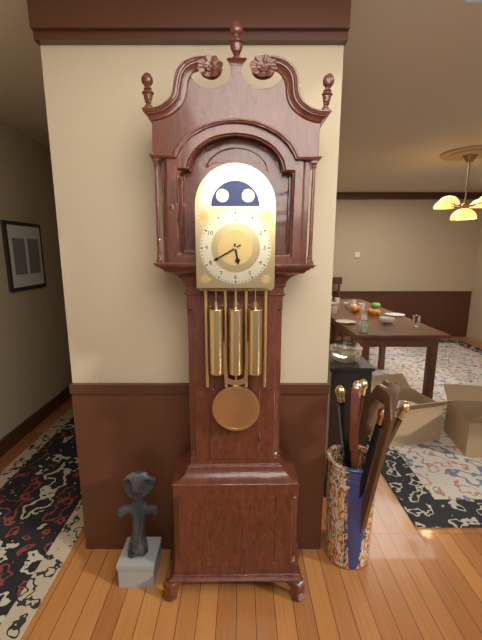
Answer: {"hour": 5, "minute": 40}
